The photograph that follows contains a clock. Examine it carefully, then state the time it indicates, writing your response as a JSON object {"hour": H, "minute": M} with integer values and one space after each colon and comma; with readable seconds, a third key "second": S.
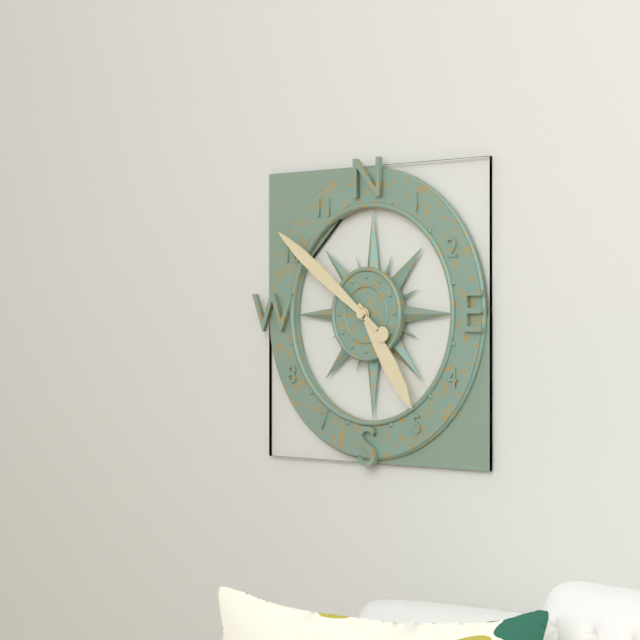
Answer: {"hour": 4, "minute": 51}
